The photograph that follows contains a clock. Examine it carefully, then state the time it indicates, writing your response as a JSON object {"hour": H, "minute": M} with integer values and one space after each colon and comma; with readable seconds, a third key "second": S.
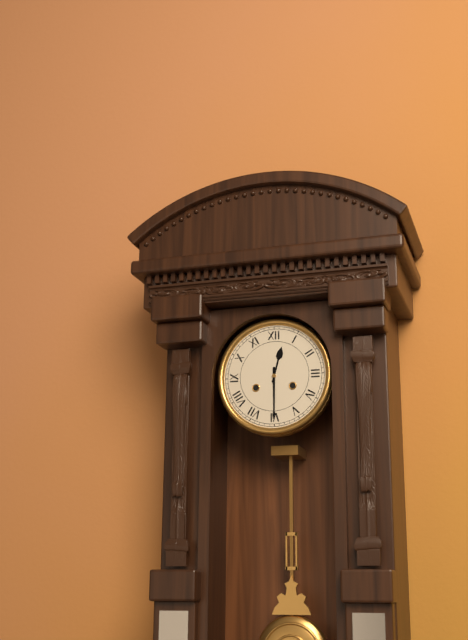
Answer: {"hour": 12, "minute": 30}
